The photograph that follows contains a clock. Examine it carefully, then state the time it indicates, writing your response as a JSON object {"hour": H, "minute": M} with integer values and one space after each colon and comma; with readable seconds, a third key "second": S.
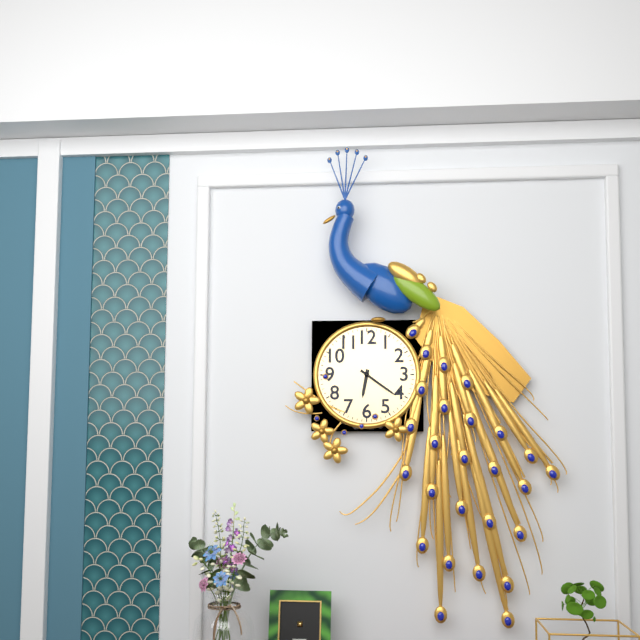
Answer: {"hour": 6, "minute": 21}
